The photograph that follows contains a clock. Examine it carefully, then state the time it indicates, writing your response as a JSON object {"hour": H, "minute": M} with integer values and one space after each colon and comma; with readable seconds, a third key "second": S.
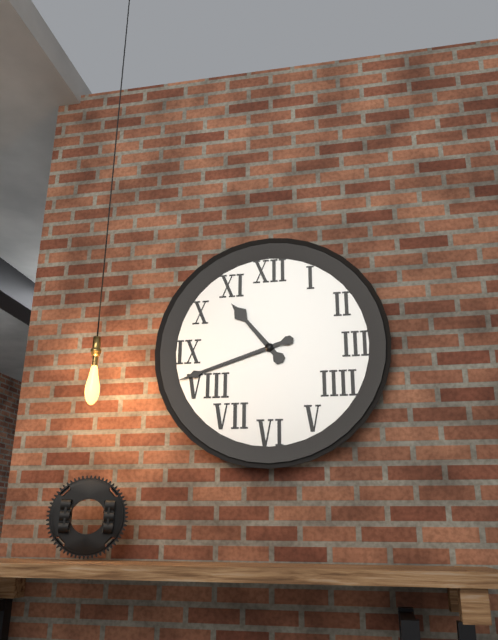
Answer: {"hour": 10, "minute": 42}
